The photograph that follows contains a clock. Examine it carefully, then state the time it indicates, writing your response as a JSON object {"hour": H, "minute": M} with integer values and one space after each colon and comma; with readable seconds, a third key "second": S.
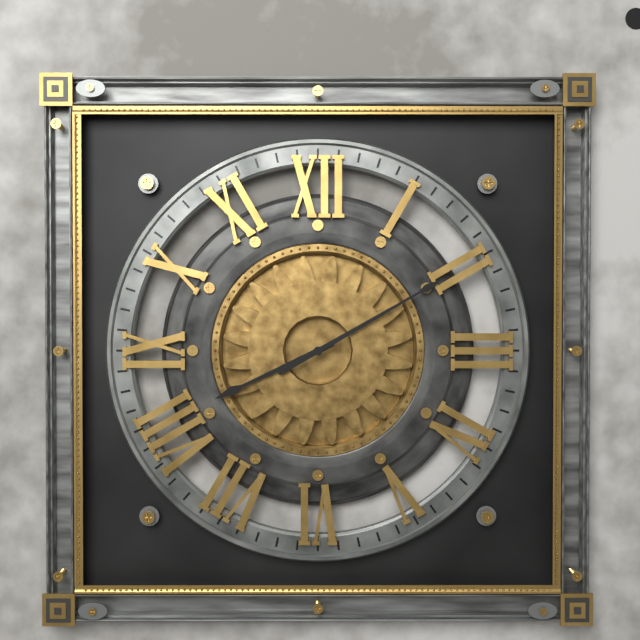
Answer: {"hour": 8, "minute": 10}
